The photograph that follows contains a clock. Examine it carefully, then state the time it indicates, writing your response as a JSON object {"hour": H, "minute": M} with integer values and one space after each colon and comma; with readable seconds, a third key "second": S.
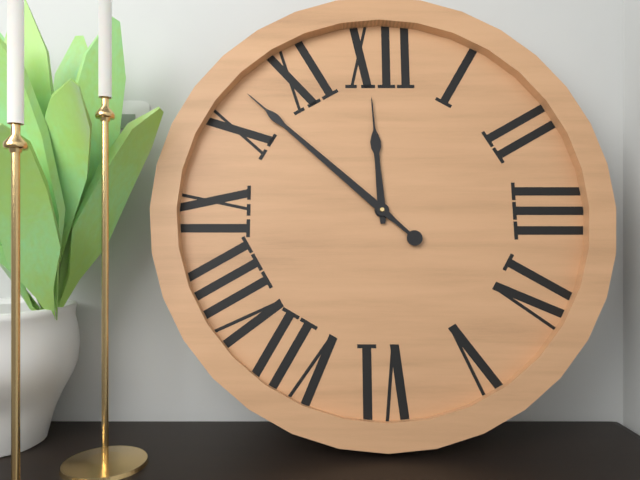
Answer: {"hour": 11, "minute": 52}
